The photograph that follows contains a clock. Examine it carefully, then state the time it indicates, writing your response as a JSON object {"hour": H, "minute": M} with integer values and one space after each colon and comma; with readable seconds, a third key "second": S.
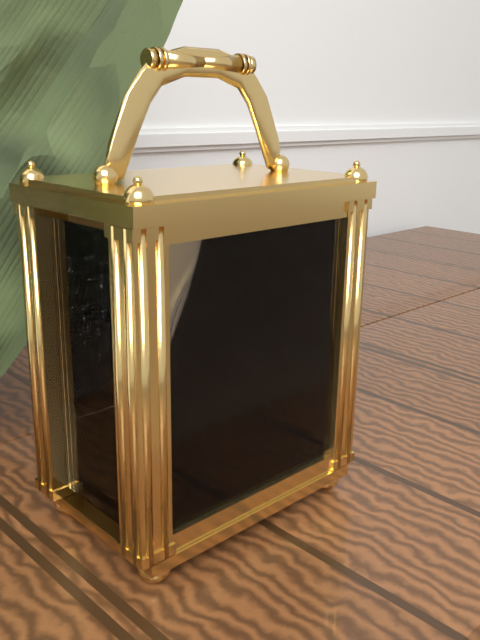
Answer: {"hour": 4, "minute": 23}
